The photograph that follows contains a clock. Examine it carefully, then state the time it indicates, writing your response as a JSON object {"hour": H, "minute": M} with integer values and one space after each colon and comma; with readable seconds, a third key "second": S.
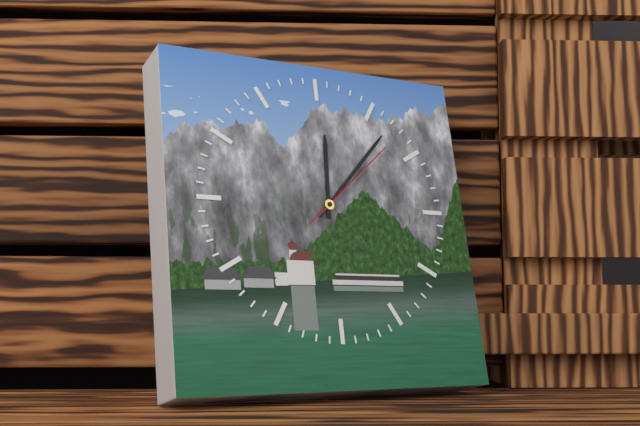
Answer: {"hour": 12, "minute": 7, "second": 8}
